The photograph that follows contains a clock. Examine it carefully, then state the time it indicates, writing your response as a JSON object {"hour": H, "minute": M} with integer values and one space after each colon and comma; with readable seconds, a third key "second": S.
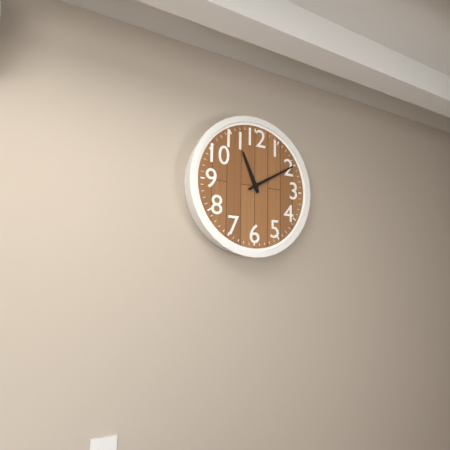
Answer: {"hour": 11, "minute": 10}
